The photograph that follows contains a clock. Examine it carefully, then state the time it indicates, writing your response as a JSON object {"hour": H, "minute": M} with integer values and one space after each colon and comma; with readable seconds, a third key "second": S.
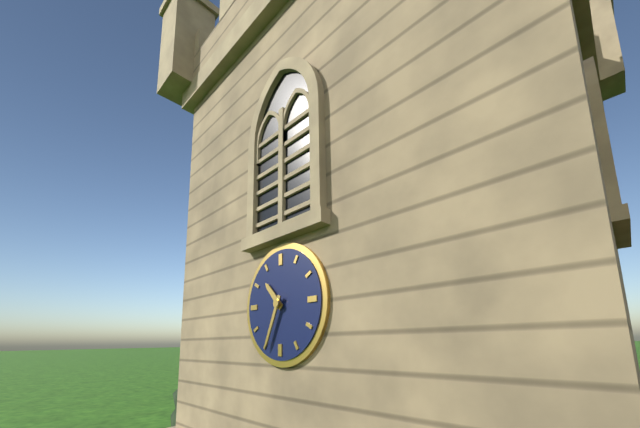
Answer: {"hour": 10, "minute": 34}
